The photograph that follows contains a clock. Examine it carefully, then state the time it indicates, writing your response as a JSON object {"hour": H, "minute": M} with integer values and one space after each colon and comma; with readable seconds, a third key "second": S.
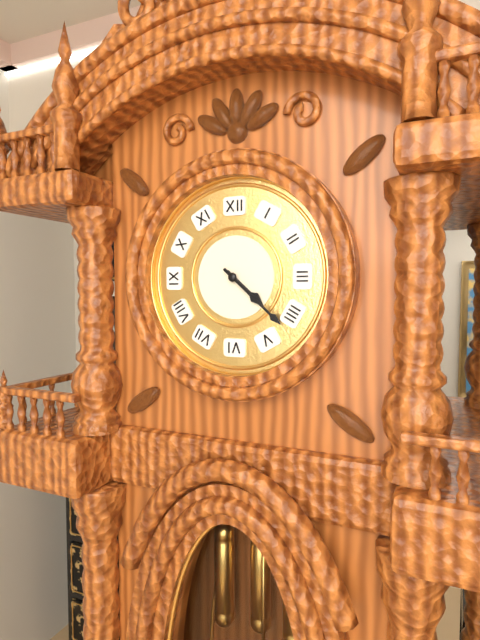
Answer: {"hour": 4, "minute": 22}
